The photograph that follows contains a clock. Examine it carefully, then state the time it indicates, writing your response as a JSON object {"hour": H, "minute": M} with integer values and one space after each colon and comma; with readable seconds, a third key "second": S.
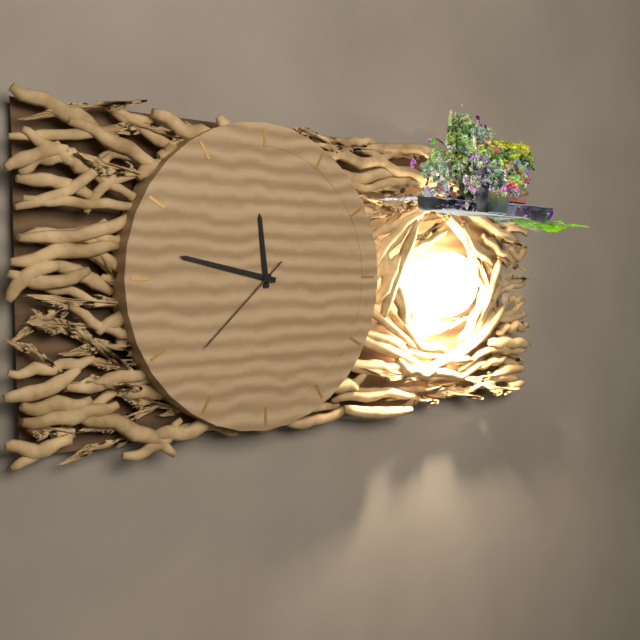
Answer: {"hour": 11, "minute": 47, "second": 38}
